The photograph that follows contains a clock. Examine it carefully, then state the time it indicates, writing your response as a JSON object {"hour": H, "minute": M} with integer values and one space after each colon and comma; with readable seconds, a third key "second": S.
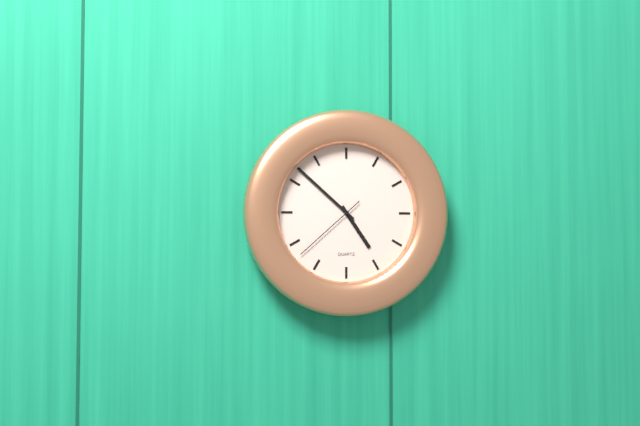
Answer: {"hour": 4, "minute": 52, "second": 38}
